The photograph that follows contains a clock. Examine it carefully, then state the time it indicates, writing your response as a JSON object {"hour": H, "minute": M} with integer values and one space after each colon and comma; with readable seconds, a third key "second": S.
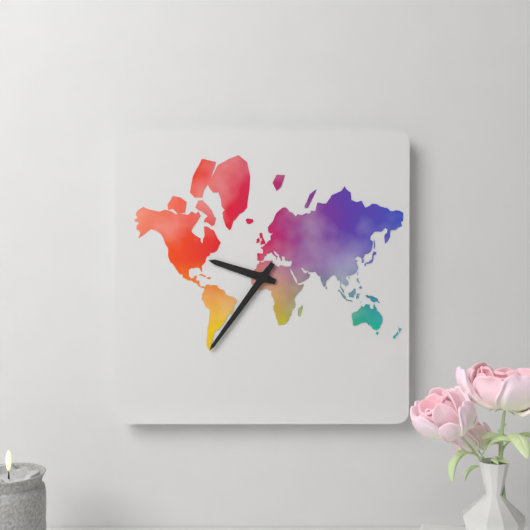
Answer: {"hour": 9, "minute": 36}
